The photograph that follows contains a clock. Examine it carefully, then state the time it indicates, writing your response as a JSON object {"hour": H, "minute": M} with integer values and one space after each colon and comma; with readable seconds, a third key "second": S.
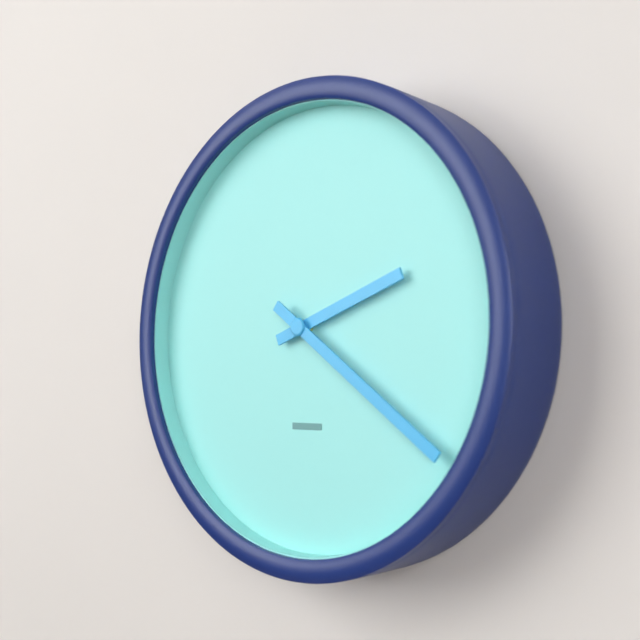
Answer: {"hour": 2, "minute": 21}
